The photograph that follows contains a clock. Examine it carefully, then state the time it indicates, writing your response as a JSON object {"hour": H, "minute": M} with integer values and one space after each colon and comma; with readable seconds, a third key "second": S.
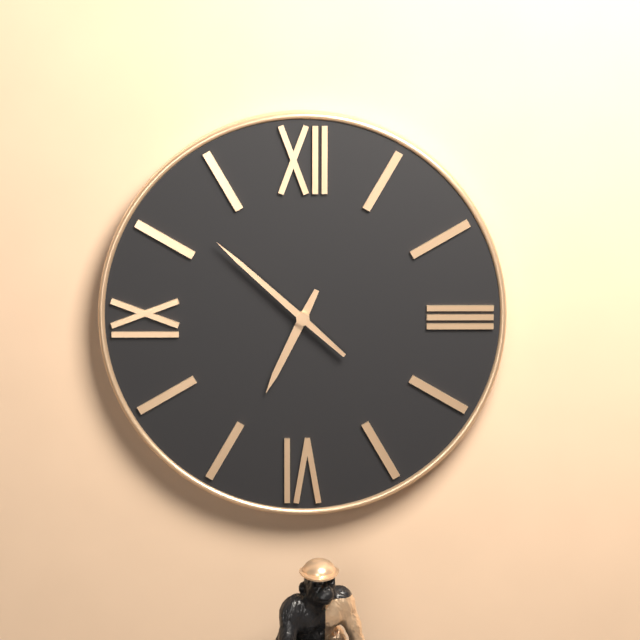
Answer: {"hour": 6, "minute": 52}
